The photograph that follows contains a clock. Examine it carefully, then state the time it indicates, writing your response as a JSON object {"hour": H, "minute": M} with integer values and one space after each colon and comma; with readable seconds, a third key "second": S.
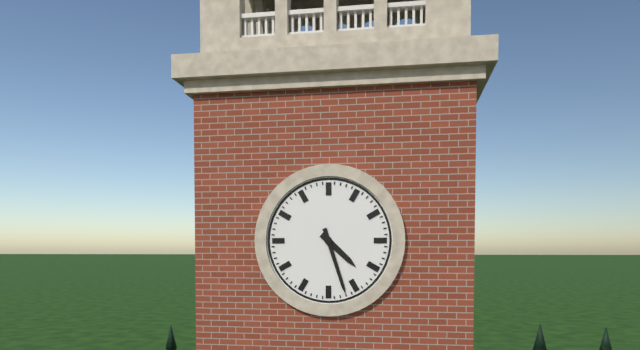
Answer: {"hour": 4, "minute": 27}
